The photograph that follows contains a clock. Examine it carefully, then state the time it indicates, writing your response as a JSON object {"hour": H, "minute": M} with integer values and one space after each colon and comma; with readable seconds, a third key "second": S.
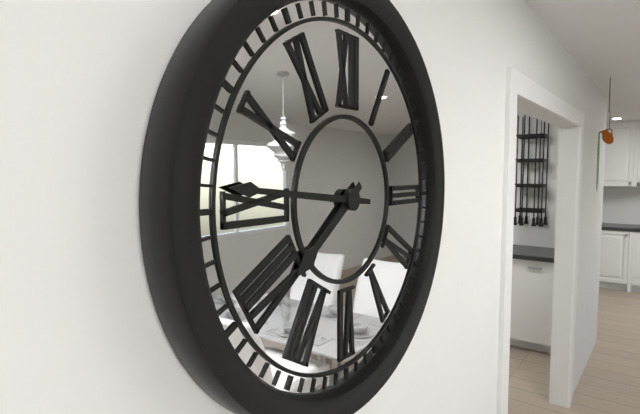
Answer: {"hour": 7, "minute": 46}
